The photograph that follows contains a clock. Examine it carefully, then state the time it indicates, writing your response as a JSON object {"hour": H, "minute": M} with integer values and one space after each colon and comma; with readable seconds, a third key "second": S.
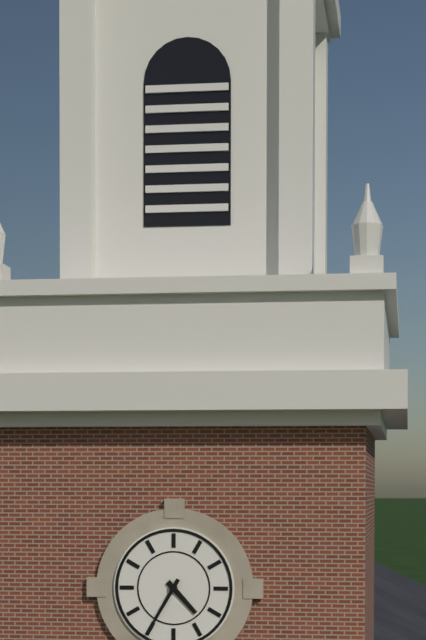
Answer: {"hour": 4, "minute": 35}
